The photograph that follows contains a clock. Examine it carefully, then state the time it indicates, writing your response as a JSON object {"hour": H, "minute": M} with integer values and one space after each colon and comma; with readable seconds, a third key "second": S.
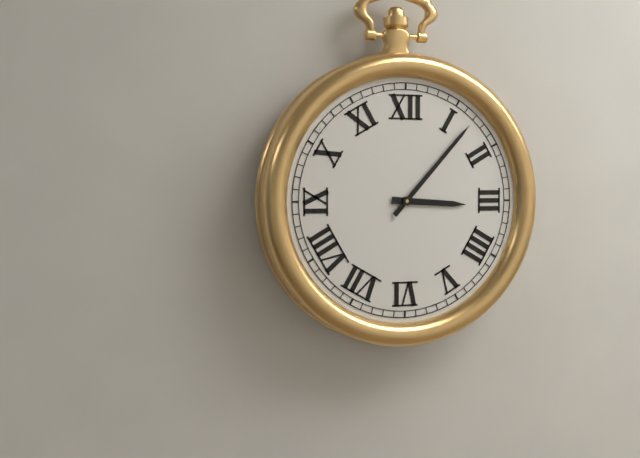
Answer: {"hour": 3, "minute": 7}
